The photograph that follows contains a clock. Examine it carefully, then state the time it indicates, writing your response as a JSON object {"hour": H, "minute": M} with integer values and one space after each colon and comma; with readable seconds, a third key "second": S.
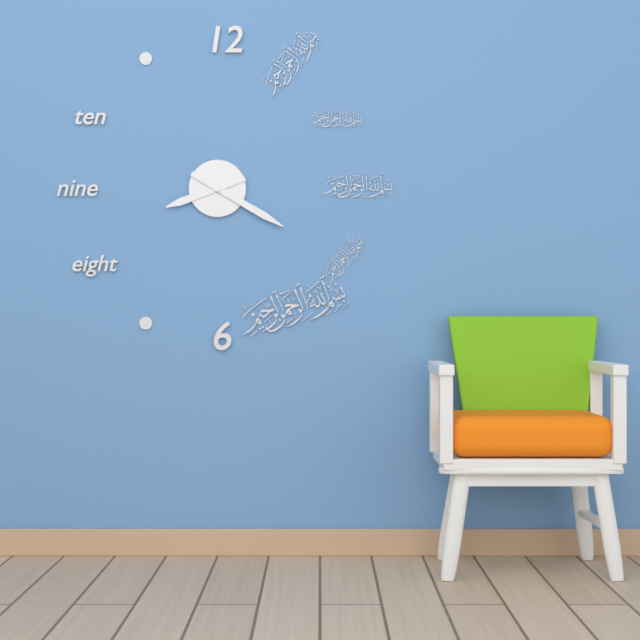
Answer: {"hour": 8, "minute": 20}
